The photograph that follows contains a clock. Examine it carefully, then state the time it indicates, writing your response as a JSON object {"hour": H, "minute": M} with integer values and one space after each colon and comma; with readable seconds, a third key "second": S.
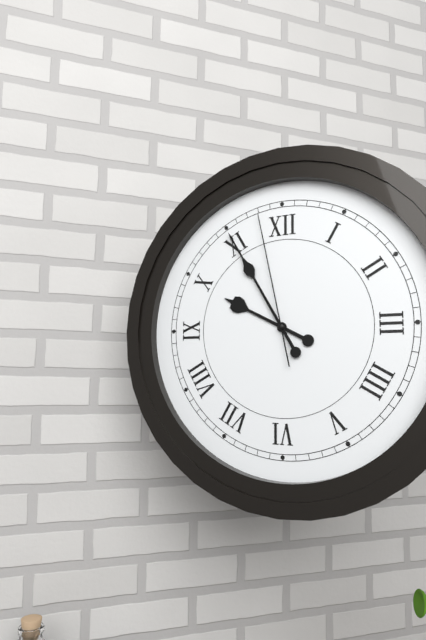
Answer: {"hour": 9, "minute": 55, "second": 58}
